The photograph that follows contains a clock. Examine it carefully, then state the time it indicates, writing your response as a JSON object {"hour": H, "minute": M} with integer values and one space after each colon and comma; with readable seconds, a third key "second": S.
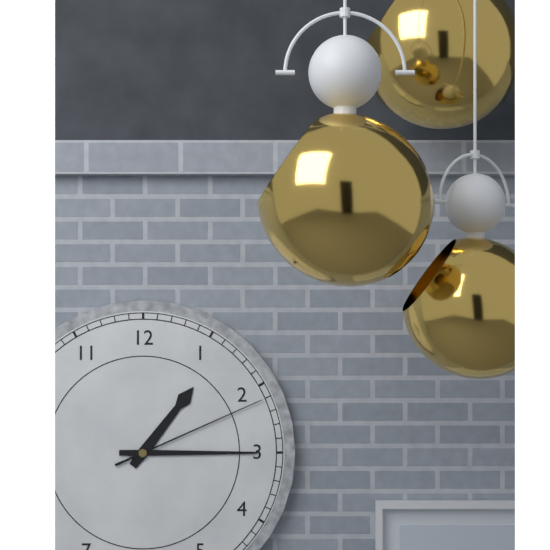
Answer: {"hour": 1, "minute": 15, "second": 11}
